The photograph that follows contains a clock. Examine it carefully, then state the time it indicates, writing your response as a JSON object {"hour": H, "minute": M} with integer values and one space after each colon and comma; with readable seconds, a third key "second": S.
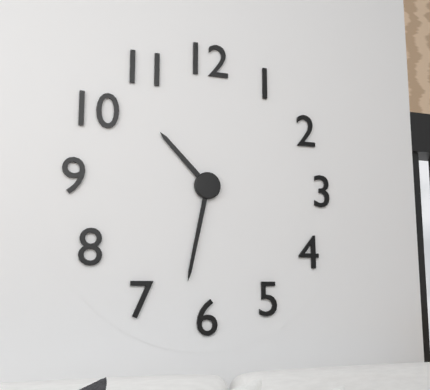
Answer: {"hour": 10, "minute": 32}
